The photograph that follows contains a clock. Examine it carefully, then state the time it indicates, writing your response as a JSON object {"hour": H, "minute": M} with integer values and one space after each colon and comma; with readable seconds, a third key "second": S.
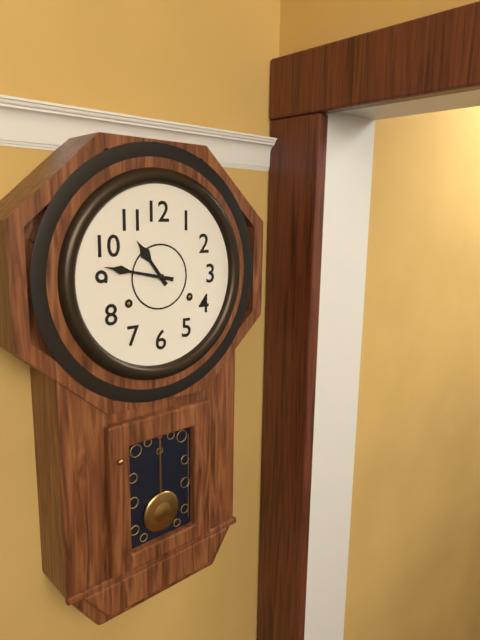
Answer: {"hour": 10, "minute": 47}
